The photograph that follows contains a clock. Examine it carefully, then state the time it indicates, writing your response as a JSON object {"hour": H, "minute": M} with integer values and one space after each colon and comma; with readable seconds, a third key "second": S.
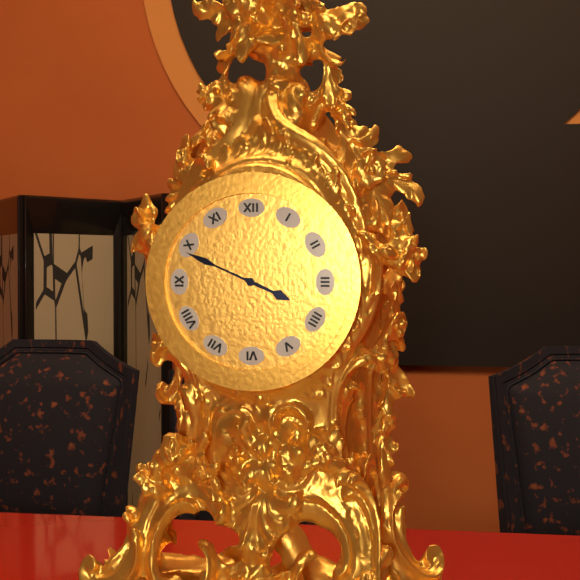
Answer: {"hour": 3, "minute": 49}
